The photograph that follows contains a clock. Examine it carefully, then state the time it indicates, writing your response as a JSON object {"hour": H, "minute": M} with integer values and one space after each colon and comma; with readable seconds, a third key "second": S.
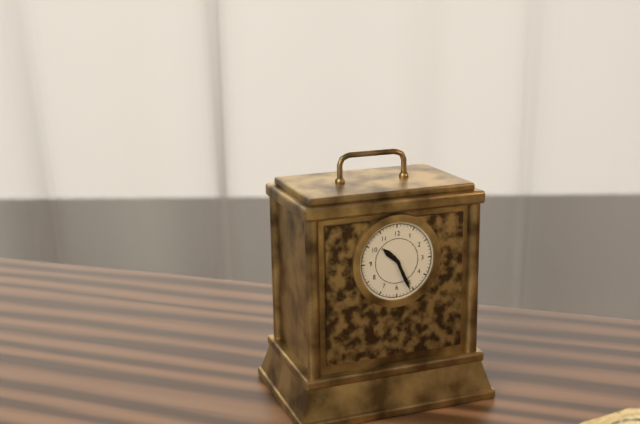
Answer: {"hour": 10, "minute": 26}
